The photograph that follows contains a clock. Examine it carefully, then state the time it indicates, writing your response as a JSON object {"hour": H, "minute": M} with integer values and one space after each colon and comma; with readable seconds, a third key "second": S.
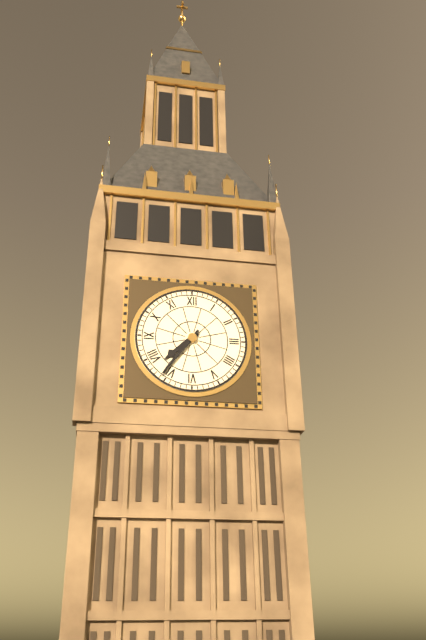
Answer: {"hour": 7, "minute": 36}
